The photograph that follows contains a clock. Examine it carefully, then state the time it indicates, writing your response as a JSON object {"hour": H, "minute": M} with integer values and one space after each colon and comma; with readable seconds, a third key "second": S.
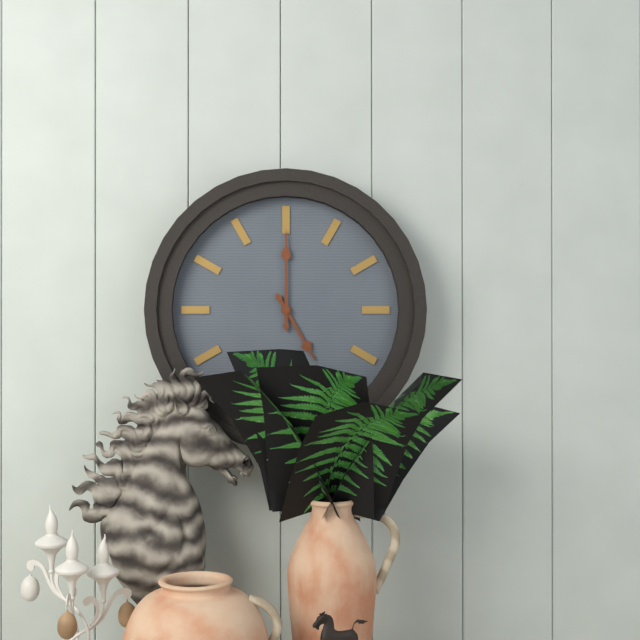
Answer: {"hour": 5, "minute": 0}
